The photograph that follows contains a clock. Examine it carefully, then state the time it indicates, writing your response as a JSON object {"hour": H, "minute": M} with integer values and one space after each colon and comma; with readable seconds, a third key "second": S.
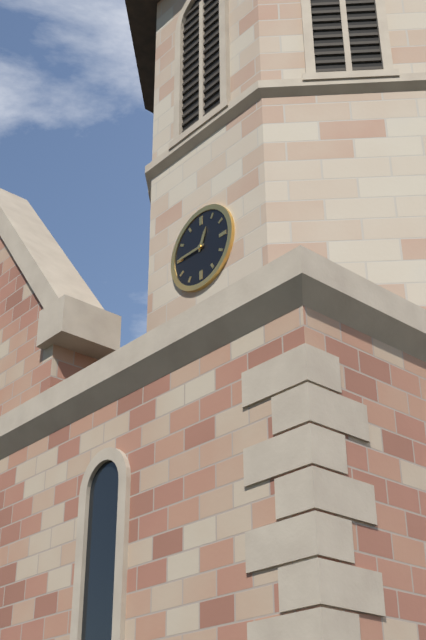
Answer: {"hour": 12, "minute": 45}
